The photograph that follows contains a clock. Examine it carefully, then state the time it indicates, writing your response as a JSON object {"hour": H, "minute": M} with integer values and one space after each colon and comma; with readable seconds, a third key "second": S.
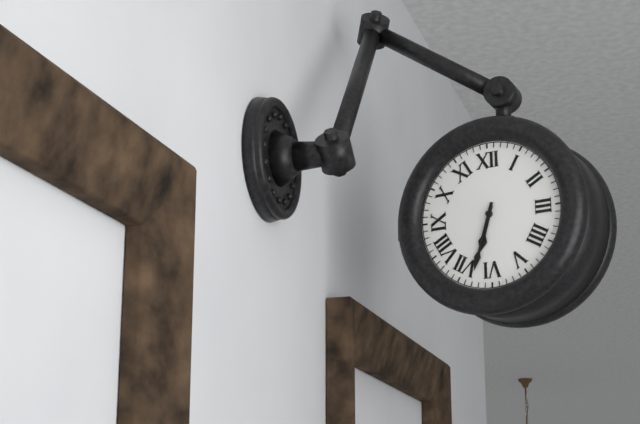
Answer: {"hour": 6, "minute": 33}
